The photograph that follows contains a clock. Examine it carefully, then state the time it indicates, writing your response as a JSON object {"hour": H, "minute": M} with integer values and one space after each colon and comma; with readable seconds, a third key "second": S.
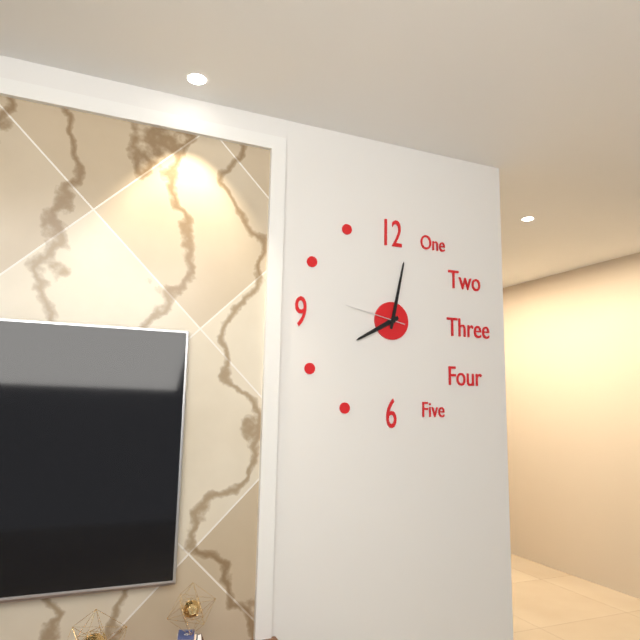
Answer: {"hour": 8, "minute": 2, "second": 47}
